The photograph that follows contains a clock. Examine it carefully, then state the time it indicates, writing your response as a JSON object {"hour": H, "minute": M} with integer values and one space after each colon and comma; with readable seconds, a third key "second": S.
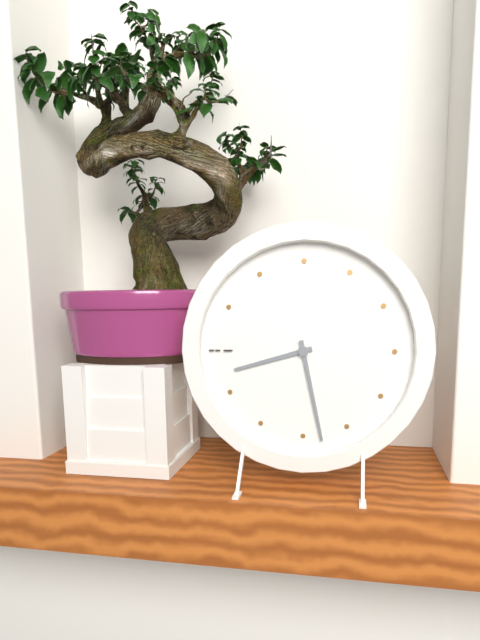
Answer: {"hour": 8, "minute": 28}
